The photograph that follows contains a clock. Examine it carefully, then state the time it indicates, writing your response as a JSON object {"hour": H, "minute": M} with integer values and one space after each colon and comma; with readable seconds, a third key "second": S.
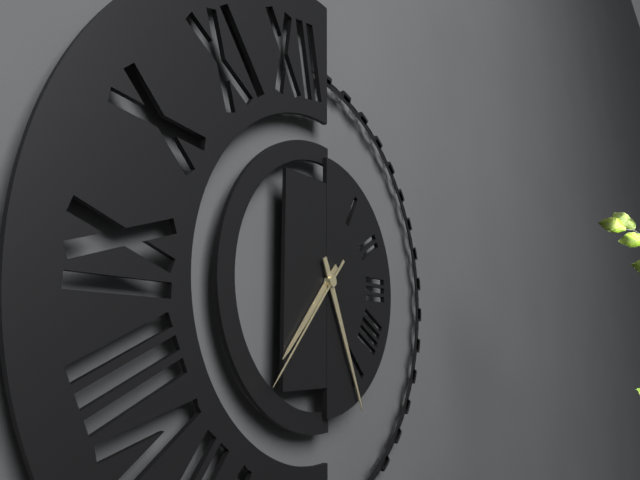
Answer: {"hour": 7, "minute": 26, "second": 37}
